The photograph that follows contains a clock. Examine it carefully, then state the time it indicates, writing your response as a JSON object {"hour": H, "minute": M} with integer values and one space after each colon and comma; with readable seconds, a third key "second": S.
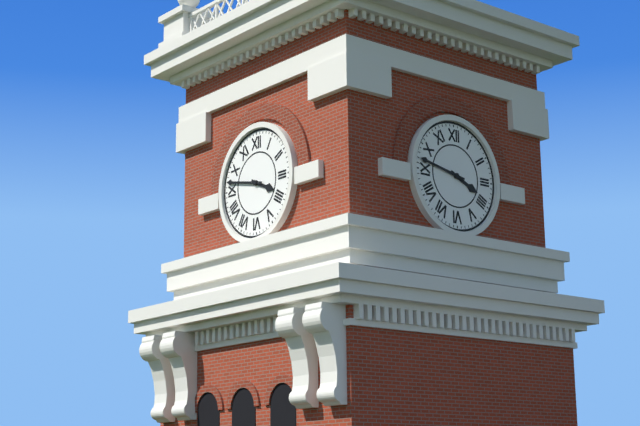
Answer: {"hour": 3, "minute": 47}
